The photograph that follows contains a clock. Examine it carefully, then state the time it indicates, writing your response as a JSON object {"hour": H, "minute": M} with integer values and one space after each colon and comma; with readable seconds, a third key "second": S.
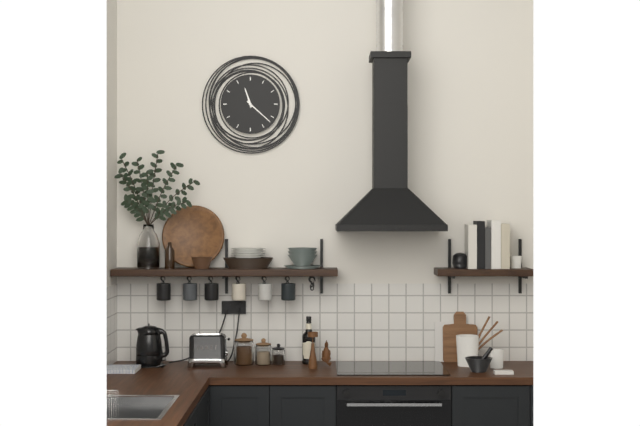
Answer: {"hour": 11, "minute": 22}
